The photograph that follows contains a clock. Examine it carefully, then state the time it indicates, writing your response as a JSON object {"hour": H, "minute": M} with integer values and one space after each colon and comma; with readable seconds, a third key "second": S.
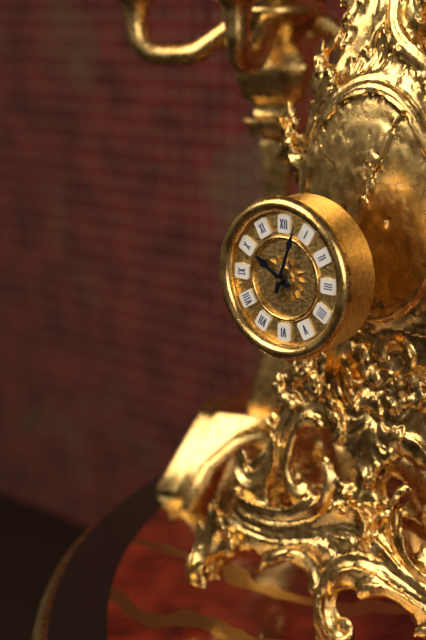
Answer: {"hour": 10, "minute": 3}
